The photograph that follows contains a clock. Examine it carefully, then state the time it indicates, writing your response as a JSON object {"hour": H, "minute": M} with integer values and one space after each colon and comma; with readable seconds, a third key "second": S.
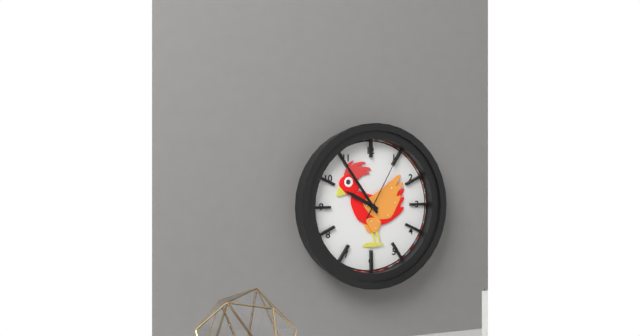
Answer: {"hour": 9, "minute": 54, "second": 5}
